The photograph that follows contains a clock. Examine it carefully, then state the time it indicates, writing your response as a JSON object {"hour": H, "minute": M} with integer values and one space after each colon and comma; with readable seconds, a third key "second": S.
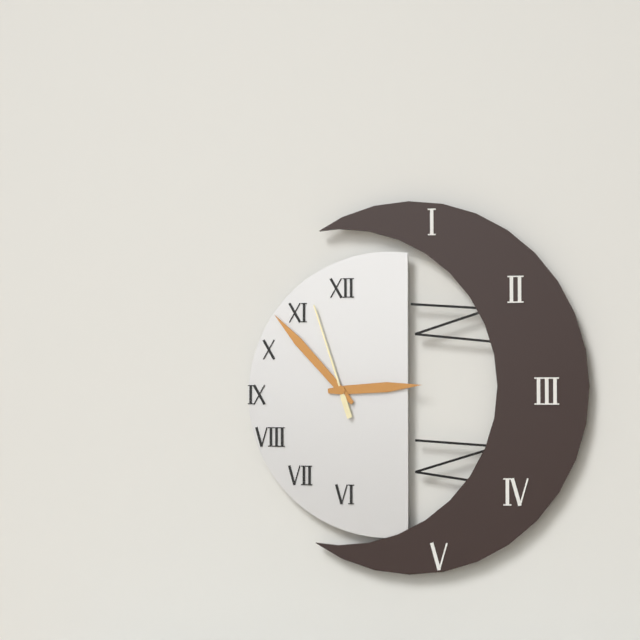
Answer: {"hour": 2, "minute": 53, "second": 57}
